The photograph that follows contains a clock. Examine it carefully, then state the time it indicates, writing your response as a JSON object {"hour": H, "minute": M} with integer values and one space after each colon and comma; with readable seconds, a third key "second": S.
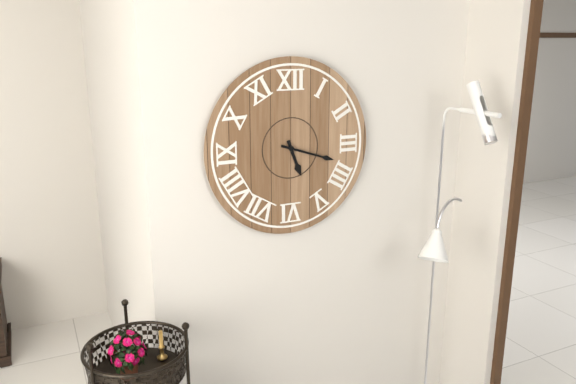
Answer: {"hour": 5, "minute": 18}
